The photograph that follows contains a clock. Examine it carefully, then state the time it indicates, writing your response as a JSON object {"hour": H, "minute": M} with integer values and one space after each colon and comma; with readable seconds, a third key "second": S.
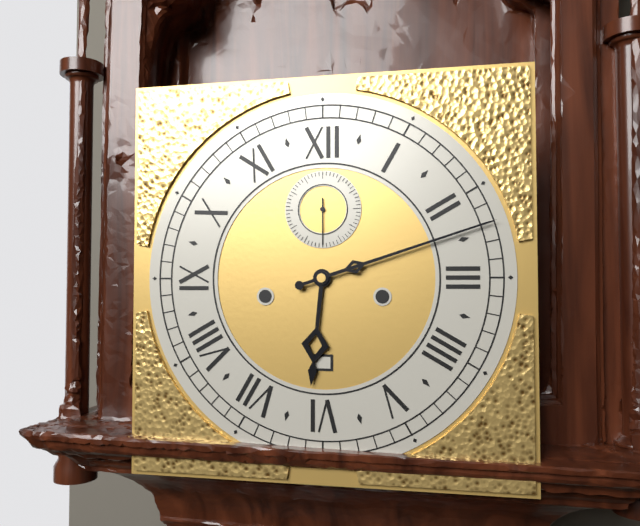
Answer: {"hour": 6, "minute": 12}
